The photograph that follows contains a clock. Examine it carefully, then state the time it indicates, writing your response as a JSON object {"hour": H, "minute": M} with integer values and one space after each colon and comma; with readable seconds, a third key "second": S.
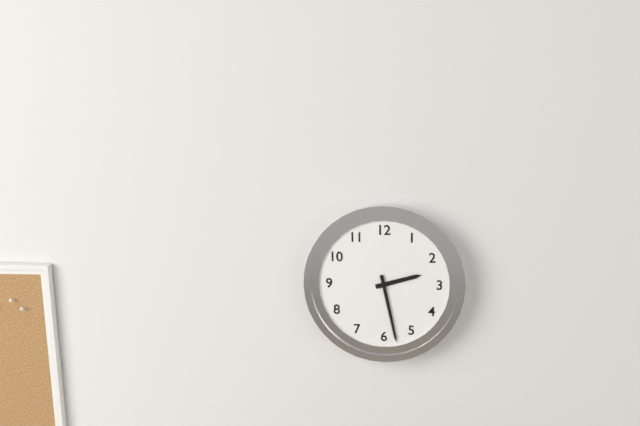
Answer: {"hour": 2, "minute": 28}
